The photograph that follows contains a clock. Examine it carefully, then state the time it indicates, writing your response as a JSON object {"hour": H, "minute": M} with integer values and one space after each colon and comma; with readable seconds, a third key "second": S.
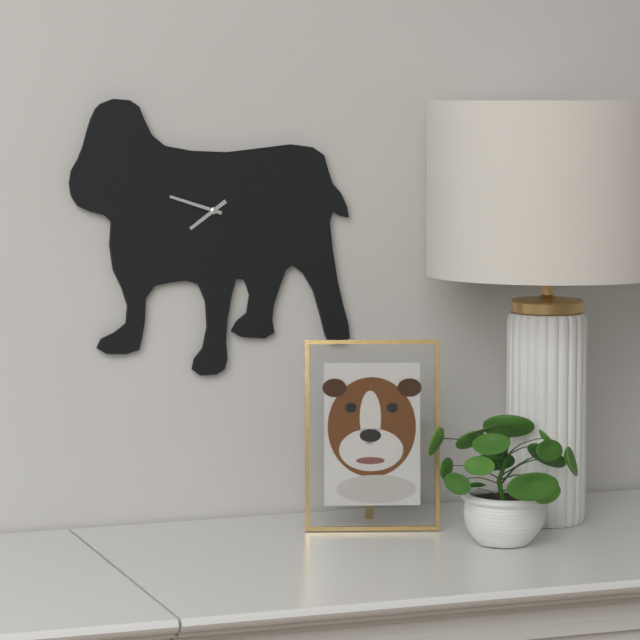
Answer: {"hour": 7, "minute": 48}
